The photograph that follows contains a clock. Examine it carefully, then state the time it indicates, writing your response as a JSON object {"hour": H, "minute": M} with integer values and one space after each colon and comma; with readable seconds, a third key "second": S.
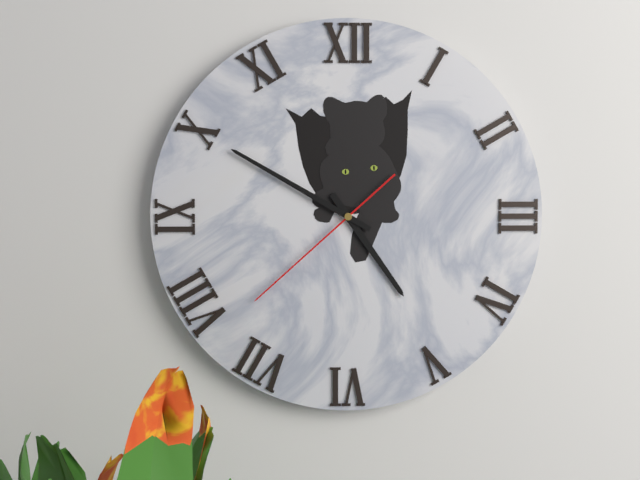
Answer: {"hour": 4, "minute": 50, "second": 38}
